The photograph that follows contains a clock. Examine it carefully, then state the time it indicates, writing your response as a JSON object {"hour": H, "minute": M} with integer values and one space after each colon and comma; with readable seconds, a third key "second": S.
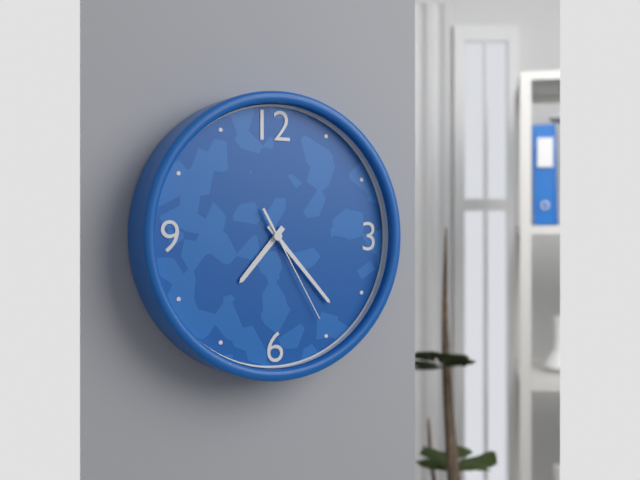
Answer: {"hour": 7, "minute": 23, "second": 25}
